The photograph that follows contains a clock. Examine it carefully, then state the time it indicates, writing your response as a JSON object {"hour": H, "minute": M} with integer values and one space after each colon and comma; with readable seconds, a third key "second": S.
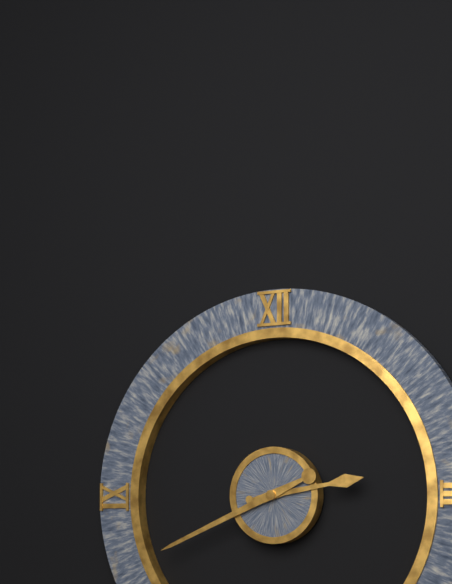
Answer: {"hour": 2, "minute": 41}
